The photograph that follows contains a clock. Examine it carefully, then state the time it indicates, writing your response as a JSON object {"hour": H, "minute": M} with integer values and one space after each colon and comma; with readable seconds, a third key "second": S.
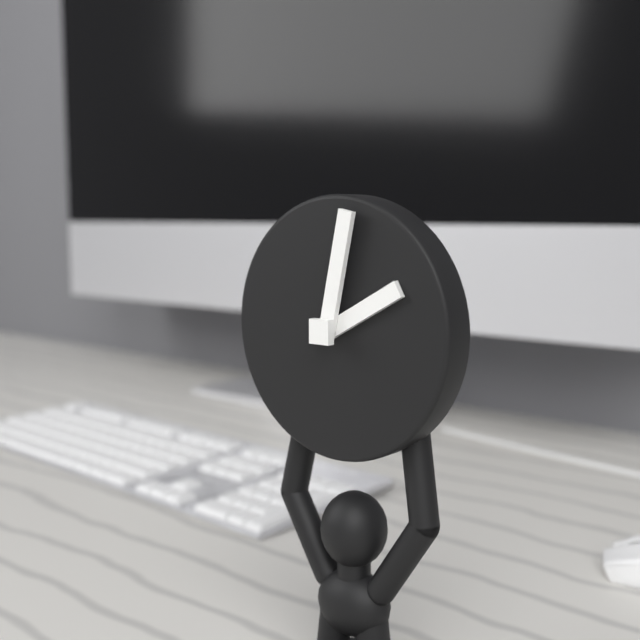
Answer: {"hour": 2, "minute": 2}
